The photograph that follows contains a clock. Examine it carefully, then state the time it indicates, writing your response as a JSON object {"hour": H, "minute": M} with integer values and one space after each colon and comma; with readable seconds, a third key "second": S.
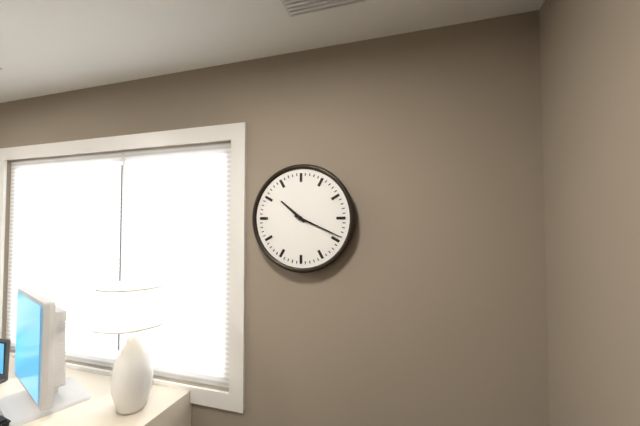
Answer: {"hour": 10, "minute": 19}
